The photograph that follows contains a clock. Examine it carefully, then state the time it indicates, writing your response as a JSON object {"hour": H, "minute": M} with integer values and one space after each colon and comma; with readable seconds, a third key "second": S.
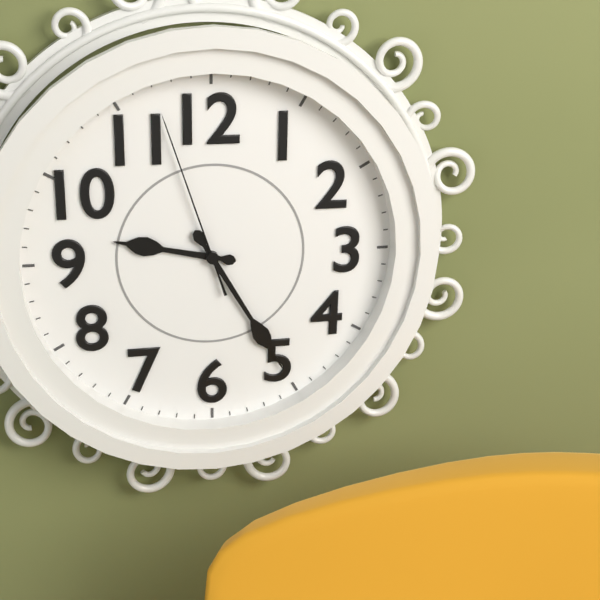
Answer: {"hour": 9, "minute": 25, "second": 57}
